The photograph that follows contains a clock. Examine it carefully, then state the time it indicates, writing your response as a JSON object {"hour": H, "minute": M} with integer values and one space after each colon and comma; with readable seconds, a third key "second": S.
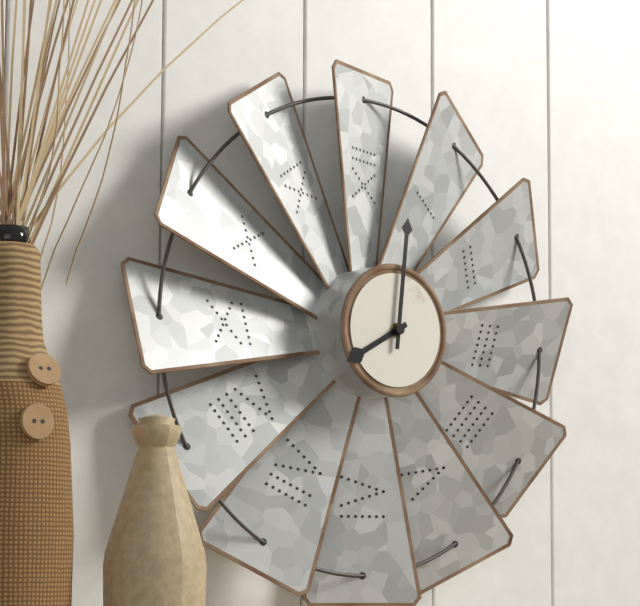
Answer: {"hour": 8, "minute": 1}
